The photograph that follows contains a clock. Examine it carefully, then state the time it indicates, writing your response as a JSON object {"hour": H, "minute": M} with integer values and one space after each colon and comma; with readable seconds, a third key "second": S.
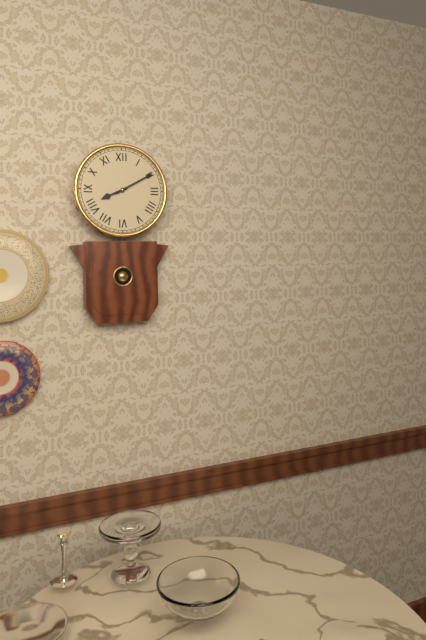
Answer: {"hour": 8, "minute": 10}
